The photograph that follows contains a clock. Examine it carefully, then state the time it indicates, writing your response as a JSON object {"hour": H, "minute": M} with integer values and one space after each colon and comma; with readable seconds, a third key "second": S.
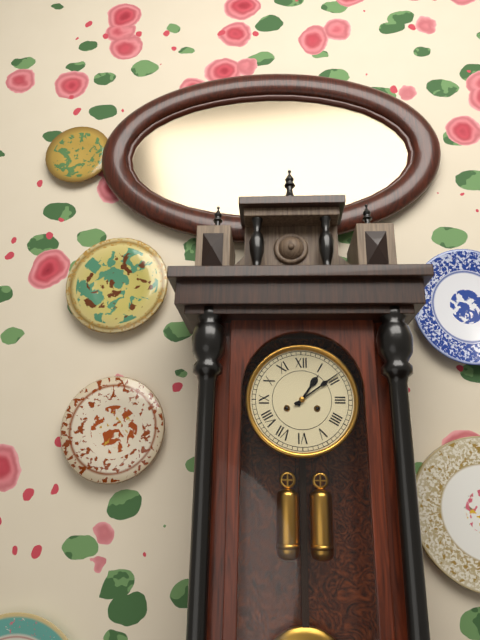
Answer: {"hour": 1, "minute": 9}
